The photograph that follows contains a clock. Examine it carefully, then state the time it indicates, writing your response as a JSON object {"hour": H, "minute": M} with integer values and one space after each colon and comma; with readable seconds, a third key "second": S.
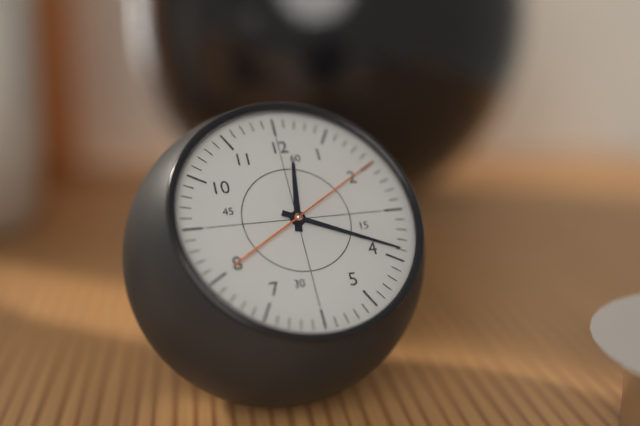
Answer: {"hour": 12, "minute": 19, "second": 10}
